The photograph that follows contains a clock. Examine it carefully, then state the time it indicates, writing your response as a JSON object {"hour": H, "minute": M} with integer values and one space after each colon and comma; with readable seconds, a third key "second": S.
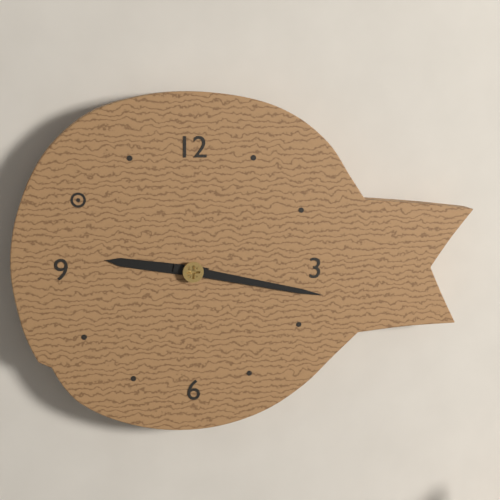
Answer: {"hour": 9, "minute": 17}
